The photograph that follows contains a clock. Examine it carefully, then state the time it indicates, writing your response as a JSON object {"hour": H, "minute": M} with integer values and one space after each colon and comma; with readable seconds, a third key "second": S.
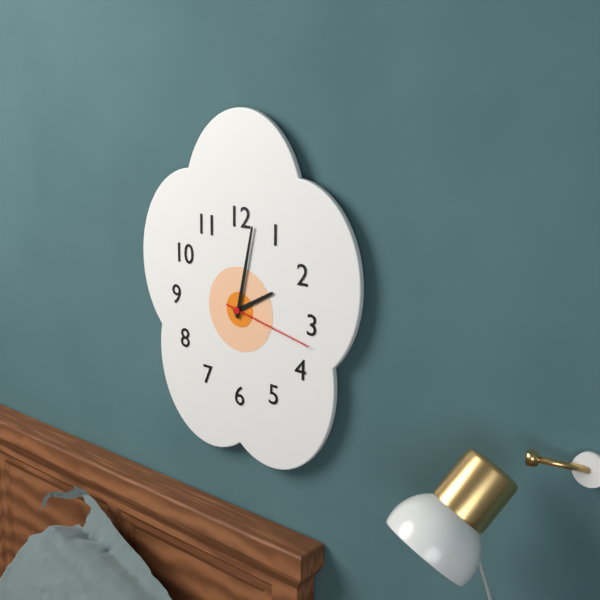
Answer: {"hour": 2, "minute": 2, "second": 17}
